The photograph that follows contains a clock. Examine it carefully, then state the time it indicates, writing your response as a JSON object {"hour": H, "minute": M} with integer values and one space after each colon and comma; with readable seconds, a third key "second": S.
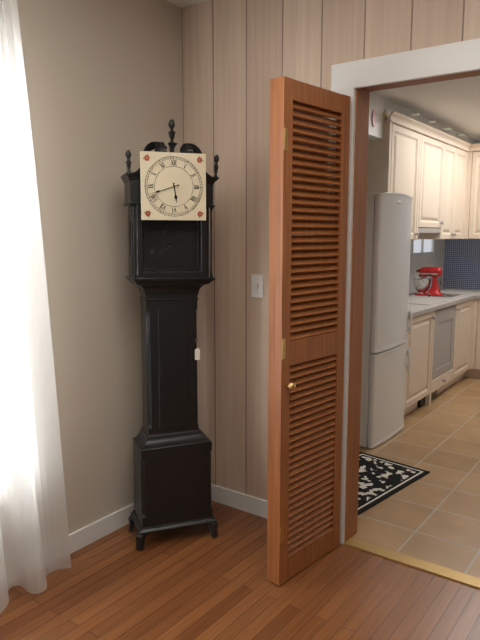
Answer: {"hour": 5, "minute": 42}
